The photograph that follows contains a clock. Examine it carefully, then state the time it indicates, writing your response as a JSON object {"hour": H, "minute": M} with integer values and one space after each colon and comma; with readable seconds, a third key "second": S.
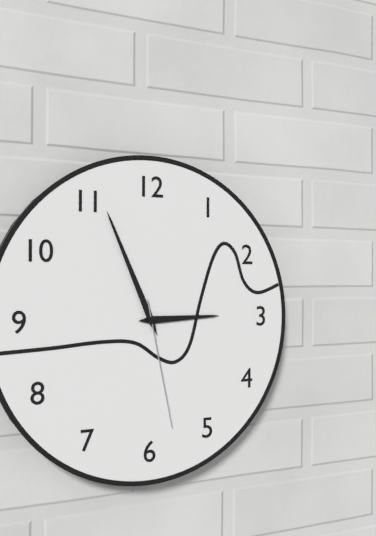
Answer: {"hour": 2, "minute": 56, "second": 28}
